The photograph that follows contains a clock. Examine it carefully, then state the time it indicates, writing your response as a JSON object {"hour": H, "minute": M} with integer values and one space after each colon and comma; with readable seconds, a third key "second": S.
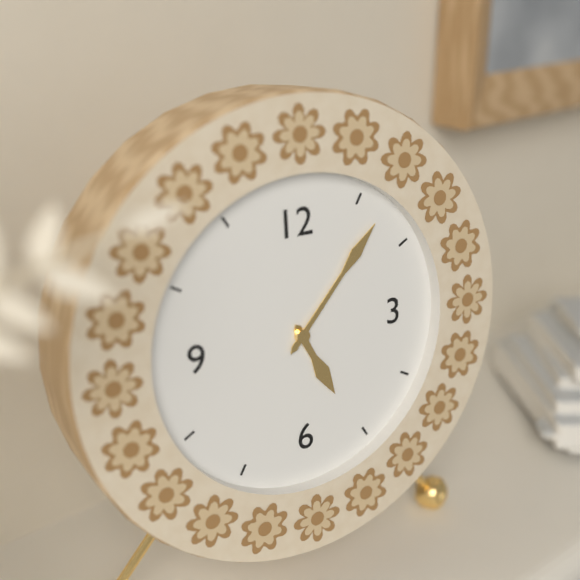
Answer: {"hour": 5, "minute": 7}
